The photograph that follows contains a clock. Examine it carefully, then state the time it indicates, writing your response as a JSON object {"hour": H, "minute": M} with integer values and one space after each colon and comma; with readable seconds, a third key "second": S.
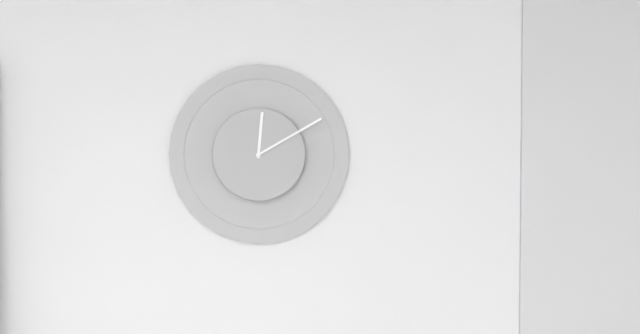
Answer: {"hour": 12, "minute": 10}
